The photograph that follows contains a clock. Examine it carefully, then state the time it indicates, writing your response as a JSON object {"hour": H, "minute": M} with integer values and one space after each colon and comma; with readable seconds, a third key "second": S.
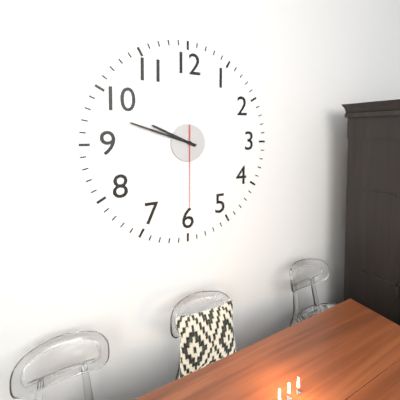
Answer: {"hour": 9, "minute": 48, "second": 30}
